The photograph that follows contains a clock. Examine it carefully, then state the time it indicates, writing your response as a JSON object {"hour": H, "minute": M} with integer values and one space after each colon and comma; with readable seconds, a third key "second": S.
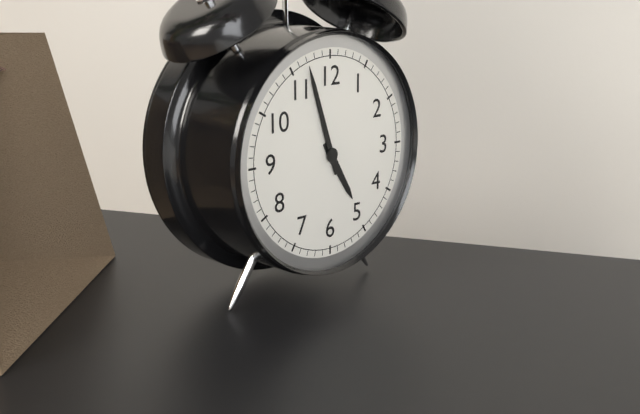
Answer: {"hour": 4, "minute": 57}
